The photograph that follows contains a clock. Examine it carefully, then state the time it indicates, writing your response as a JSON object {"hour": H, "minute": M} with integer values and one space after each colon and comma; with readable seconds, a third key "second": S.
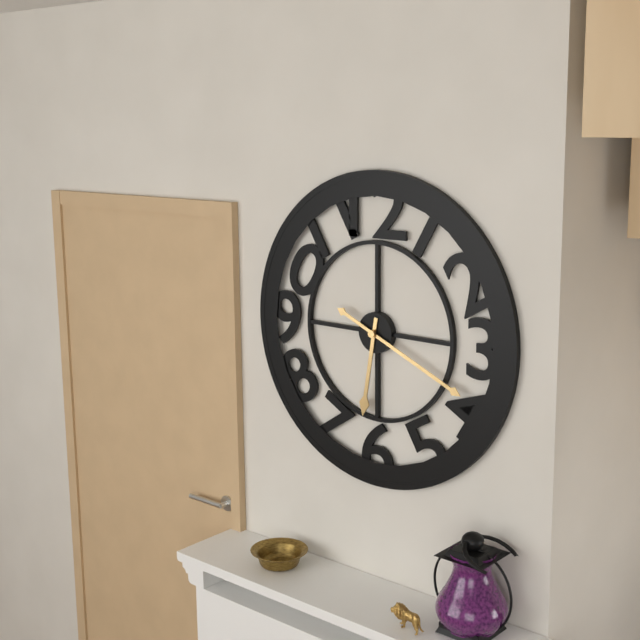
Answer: {"hour": 6, "minute": 19}
